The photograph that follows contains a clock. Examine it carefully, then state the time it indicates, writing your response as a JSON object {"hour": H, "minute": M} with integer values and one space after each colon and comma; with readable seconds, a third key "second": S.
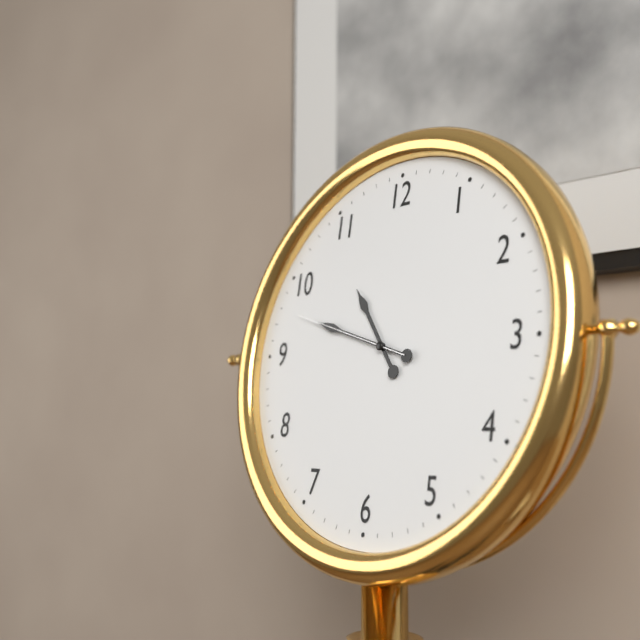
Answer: {"hour": 10, "minute": 48, "second": 48}
